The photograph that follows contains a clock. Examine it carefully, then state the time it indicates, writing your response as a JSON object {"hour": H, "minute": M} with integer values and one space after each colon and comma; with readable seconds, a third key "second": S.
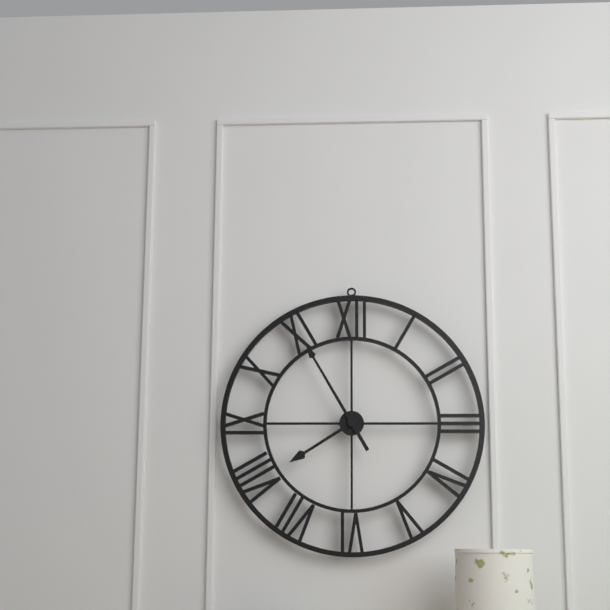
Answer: {"hour": 7, "minute": 55}
